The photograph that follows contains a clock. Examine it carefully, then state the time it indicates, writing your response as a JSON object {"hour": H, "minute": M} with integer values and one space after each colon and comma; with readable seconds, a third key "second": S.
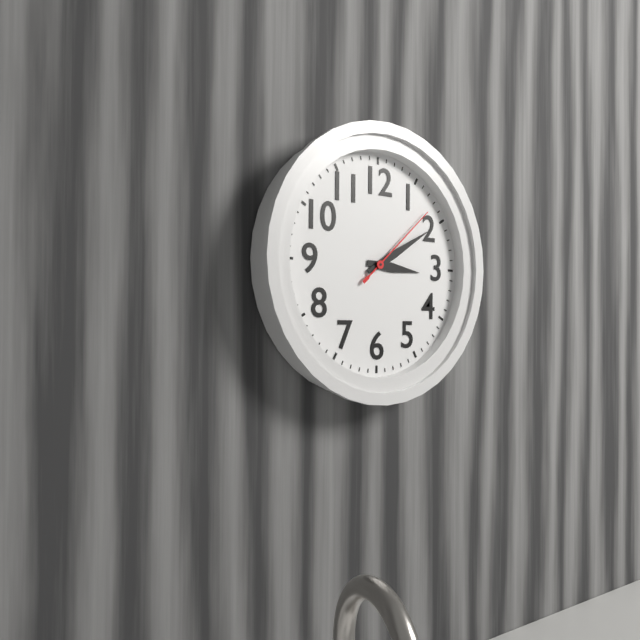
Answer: {"hour": 3, "minute": 10, "second": 8}
